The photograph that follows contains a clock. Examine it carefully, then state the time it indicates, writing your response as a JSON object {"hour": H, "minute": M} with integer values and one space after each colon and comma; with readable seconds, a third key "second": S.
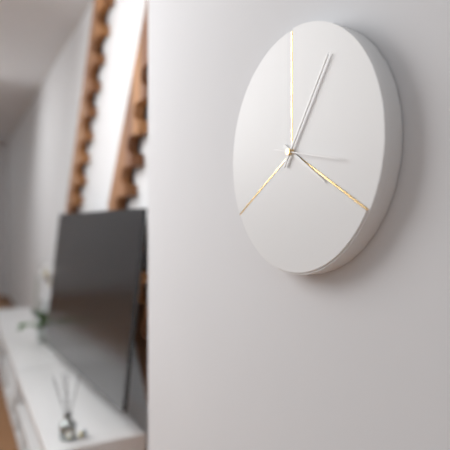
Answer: {"hour": 4, "minute": 6, "second": 17}
